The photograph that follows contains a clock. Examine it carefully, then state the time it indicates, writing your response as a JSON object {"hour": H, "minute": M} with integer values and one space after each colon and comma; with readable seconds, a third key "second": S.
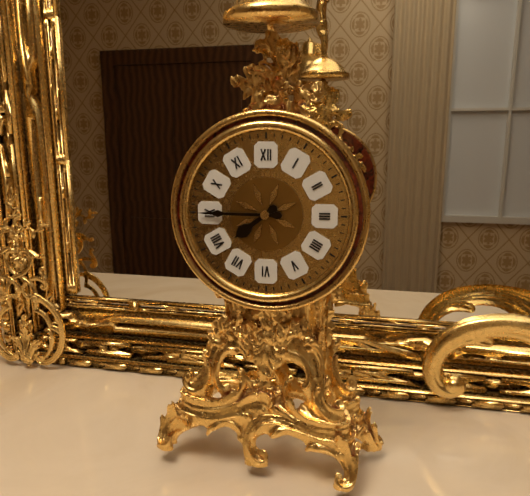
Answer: {"hour": 7, "minute": 45}
